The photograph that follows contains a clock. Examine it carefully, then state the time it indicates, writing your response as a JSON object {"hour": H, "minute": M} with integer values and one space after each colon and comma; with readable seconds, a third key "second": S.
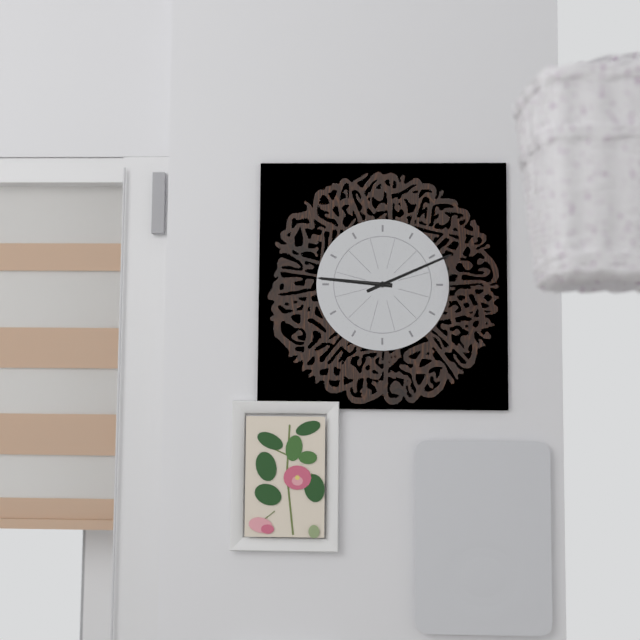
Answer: {"hour": 9, "minute": 11}
